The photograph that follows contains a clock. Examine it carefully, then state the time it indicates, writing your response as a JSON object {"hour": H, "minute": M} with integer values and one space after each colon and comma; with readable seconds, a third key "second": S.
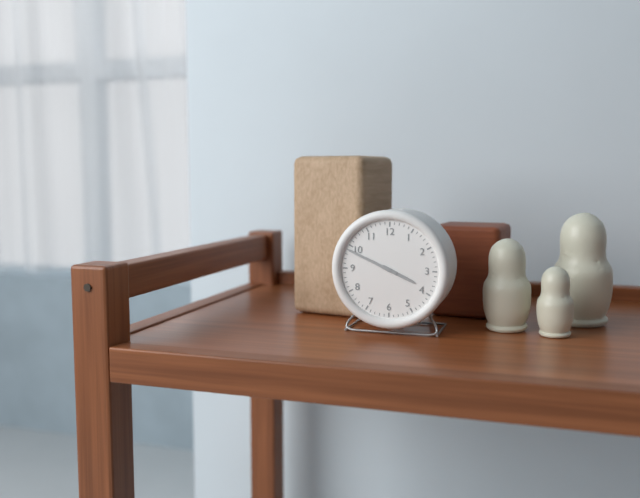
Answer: {"hour": 3, "minute": 49}
